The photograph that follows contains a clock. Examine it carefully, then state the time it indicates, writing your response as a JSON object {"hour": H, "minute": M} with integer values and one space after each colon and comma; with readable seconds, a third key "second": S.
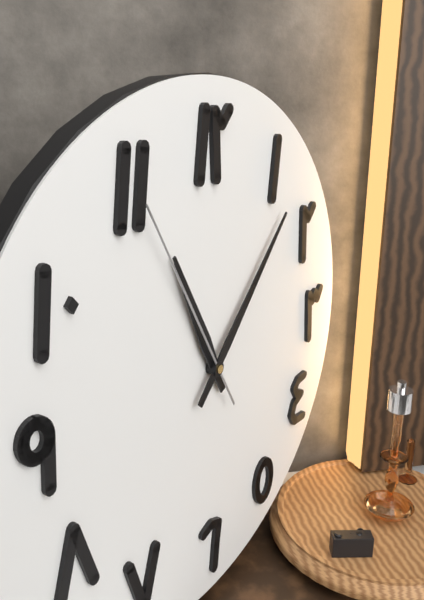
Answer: {"hour": 11, "minute": 7, "second": 55}
